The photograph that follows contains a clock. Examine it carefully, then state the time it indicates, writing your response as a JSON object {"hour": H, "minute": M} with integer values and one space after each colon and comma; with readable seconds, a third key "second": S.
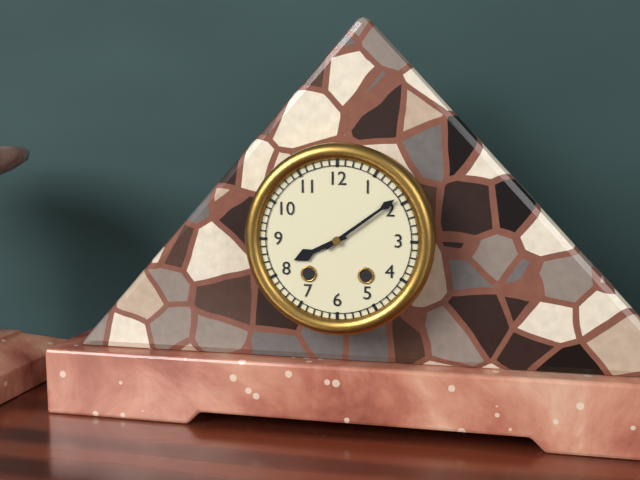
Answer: {"hour": 8, "minute": 9}
